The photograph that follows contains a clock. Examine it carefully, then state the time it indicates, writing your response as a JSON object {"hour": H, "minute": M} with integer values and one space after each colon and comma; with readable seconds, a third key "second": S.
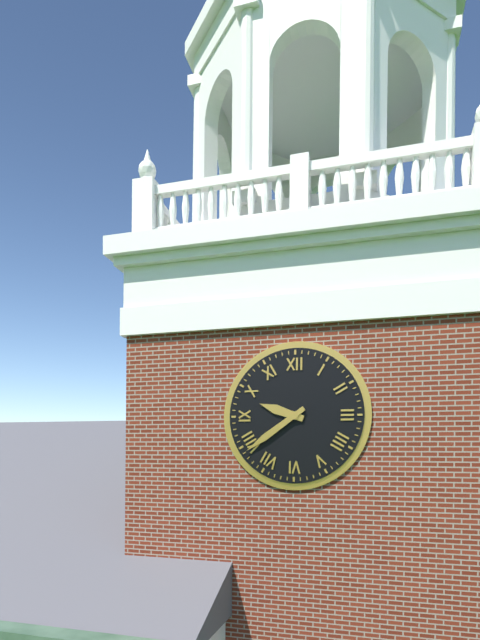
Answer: {"hour": 9, "minute": 39}
